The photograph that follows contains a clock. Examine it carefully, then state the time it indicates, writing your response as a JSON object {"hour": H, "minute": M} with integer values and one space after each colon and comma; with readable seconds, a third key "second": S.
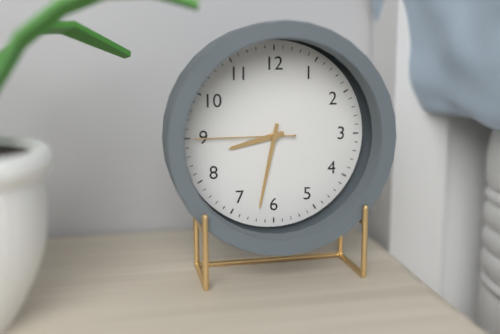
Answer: {"hour": 8, "minute": 32, "second": 45}
